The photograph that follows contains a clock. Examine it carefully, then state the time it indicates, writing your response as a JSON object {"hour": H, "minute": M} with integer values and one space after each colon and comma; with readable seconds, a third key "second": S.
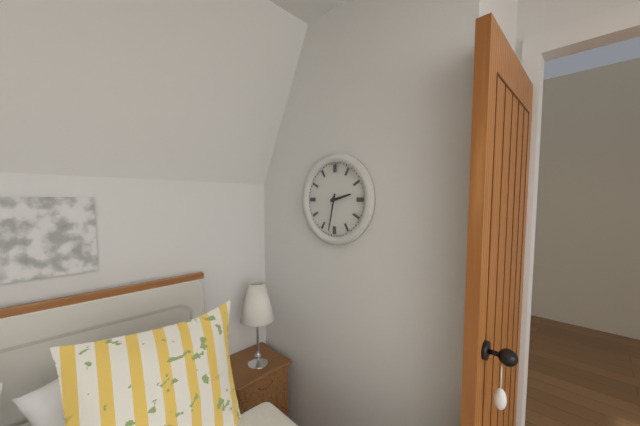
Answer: {"hour": 2, "minute": 32}
